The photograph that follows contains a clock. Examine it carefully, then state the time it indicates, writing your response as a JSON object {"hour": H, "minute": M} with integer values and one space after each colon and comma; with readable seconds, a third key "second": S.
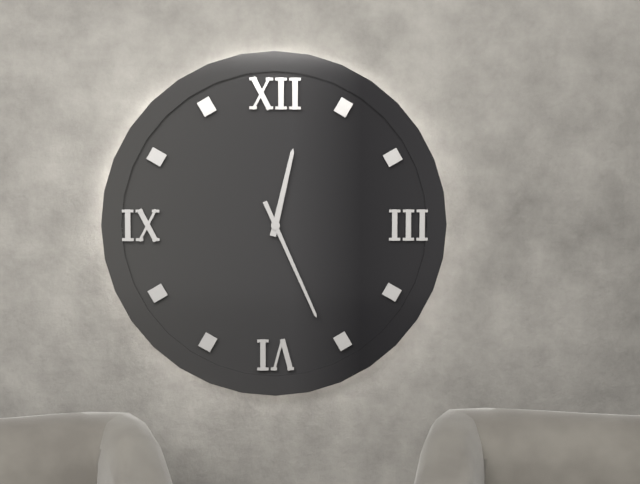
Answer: {"hour": 12, "minute": 26}
